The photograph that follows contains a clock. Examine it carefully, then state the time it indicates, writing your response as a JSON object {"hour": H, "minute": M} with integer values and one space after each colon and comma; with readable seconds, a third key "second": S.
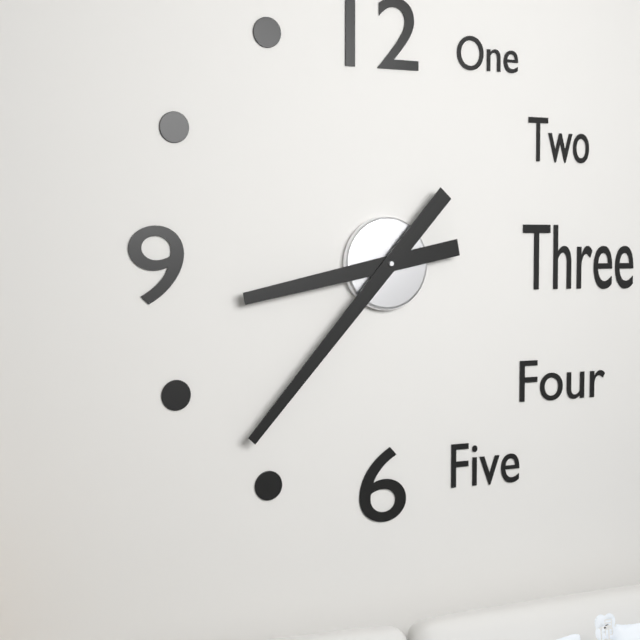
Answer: {"hour": 8, "minute": 37}
